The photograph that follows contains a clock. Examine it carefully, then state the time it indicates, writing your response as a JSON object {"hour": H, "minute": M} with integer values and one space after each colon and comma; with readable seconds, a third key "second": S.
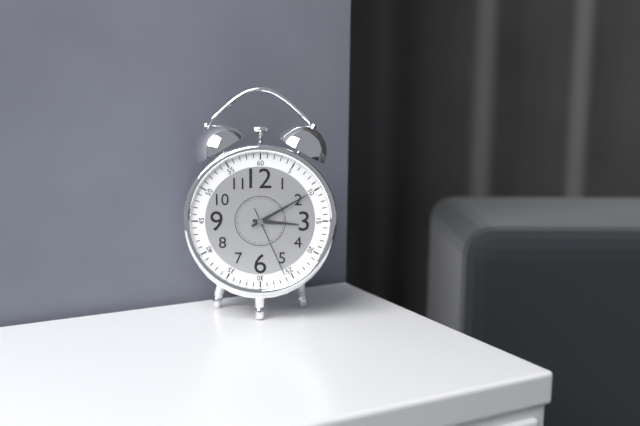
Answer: {"hour": 3, "minute": 10, "second": 26}
